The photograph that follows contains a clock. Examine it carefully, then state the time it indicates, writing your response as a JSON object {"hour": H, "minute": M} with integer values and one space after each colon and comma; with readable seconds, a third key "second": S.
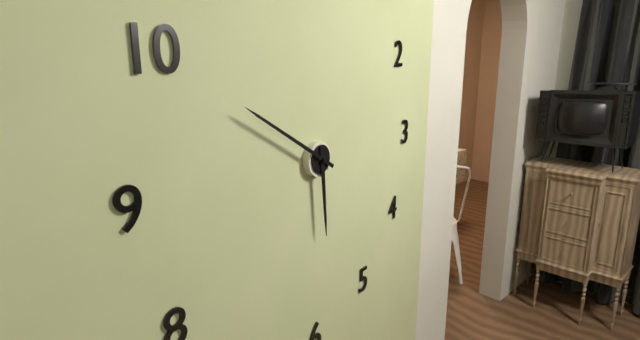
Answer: {"hour": 5, "minute": 50}
